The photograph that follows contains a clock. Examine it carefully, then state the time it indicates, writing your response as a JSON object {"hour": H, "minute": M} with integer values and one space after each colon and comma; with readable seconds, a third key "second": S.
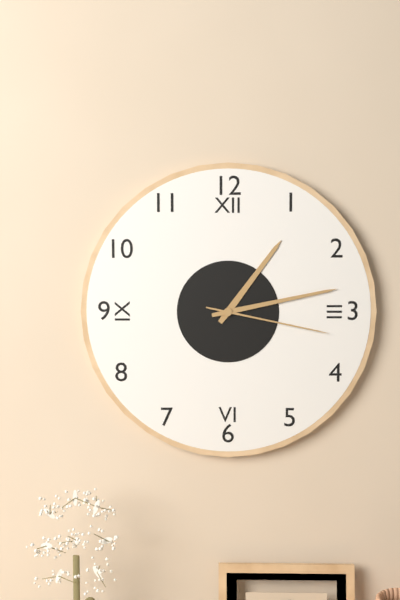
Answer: {"hour": 1, "minute": 13, "second": 17}
